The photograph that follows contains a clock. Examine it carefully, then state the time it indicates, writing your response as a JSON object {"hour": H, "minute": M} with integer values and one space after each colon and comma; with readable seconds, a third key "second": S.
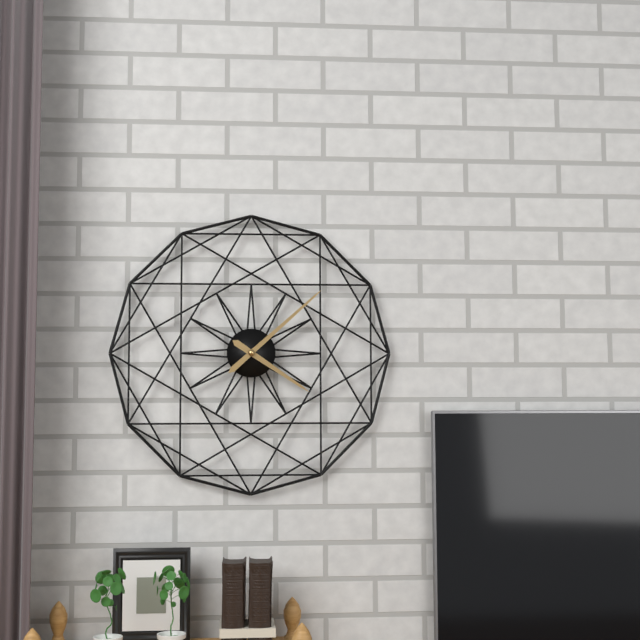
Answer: {"hour": 4, "minute": 8}
